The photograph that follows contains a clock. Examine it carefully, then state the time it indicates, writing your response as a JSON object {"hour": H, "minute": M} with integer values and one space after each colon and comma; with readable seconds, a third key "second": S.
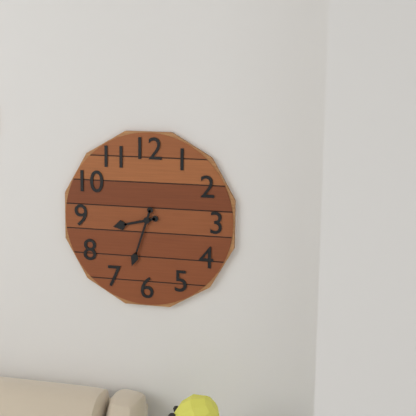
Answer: {"hour": 8, "minute": 33}
